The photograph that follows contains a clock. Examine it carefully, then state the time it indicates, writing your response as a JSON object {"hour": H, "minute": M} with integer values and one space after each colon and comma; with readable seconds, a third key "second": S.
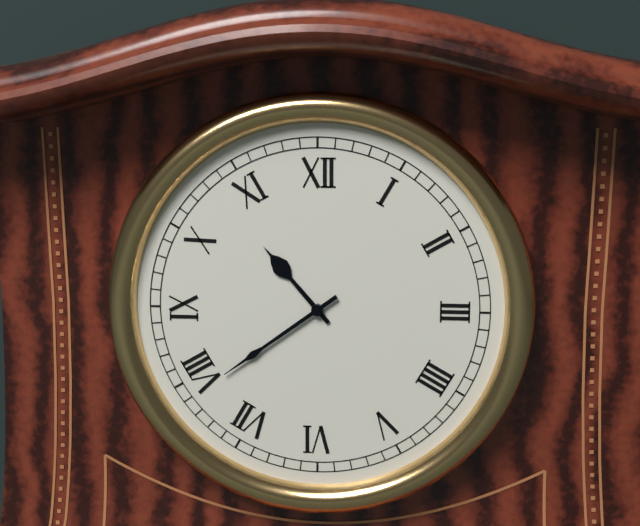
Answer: {"hour": 10, "minute": 39}
